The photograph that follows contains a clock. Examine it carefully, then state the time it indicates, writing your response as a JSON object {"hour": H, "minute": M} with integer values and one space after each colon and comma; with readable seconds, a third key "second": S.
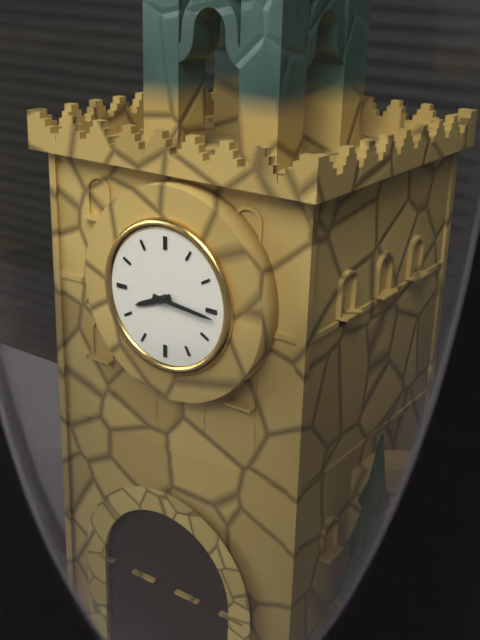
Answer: {"hour": 8, "minute": 16}
